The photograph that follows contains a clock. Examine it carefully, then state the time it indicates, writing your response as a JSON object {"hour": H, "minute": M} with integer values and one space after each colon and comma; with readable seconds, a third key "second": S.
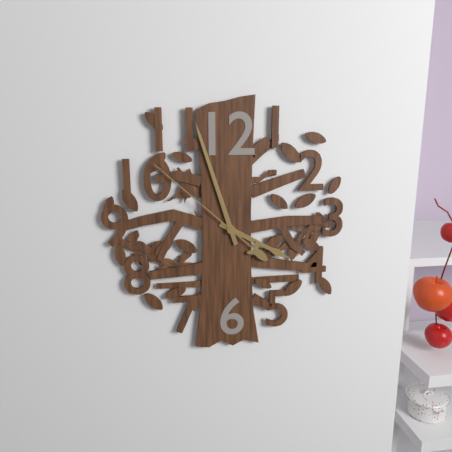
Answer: {"hour": 3, "minute": 57, "second": 52}
